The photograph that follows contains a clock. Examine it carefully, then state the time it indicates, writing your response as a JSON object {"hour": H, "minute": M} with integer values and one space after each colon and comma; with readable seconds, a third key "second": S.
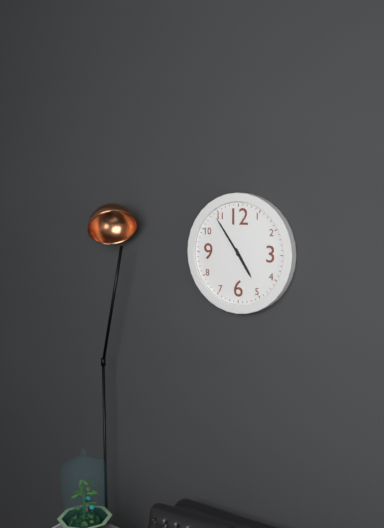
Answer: {"hour": 4, "minute": 54}
